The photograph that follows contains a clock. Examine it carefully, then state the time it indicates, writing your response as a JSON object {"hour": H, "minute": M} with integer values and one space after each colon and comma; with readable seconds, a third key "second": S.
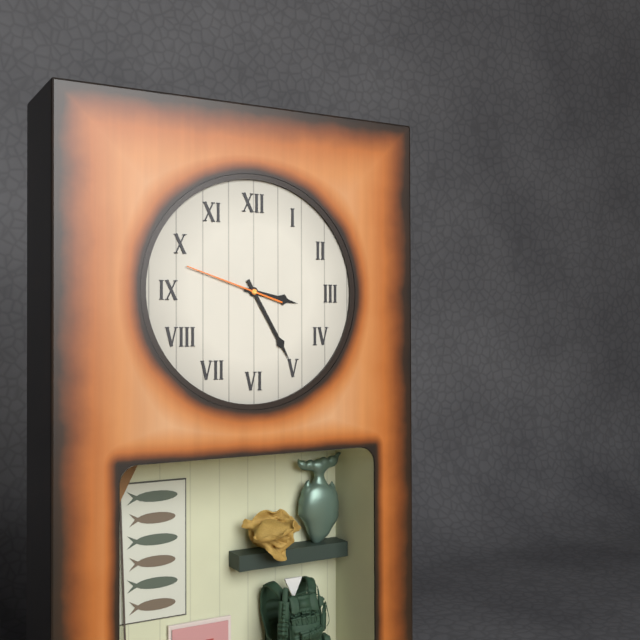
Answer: {"hour": 3, "minute": 25, "second": 48}
